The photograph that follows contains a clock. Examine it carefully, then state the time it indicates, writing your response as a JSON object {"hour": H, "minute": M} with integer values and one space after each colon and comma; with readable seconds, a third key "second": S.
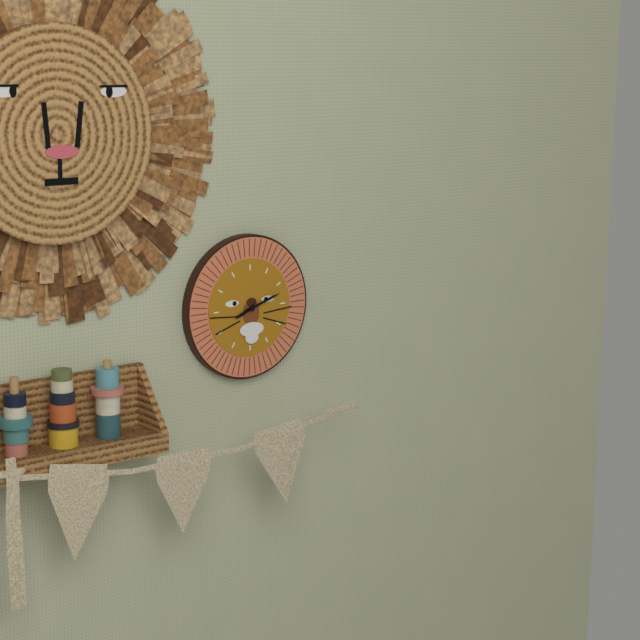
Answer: {"hour": 8, "minute": 12}
